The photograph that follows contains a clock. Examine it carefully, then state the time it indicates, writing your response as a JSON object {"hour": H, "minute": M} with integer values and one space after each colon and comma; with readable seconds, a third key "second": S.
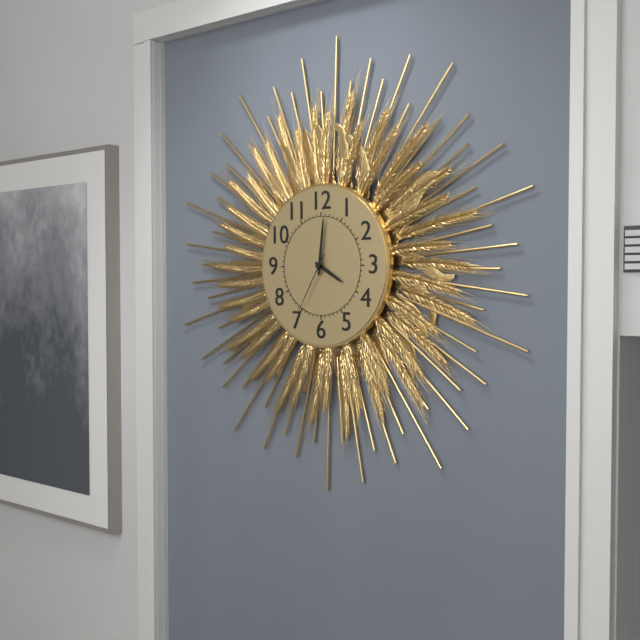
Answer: {"hour": 4, "minute": 1, "second": 35}
